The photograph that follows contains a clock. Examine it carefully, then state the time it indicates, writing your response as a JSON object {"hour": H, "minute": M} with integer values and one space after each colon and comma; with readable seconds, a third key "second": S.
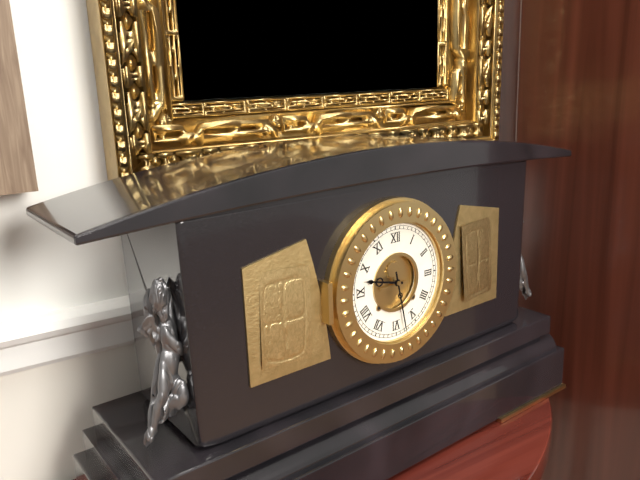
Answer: {"hour": 9, "minute": 28}
